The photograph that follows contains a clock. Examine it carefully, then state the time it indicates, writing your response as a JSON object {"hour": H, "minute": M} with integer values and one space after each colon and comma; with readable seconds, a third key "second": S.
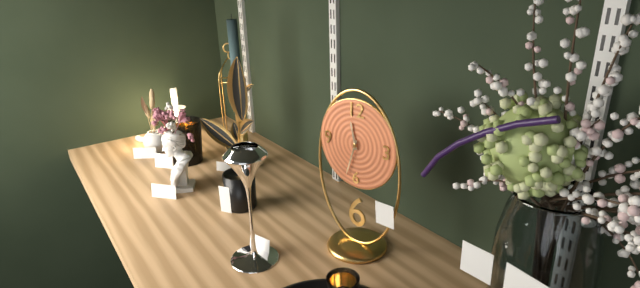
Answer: {"hour": 11, "minute": 33}
